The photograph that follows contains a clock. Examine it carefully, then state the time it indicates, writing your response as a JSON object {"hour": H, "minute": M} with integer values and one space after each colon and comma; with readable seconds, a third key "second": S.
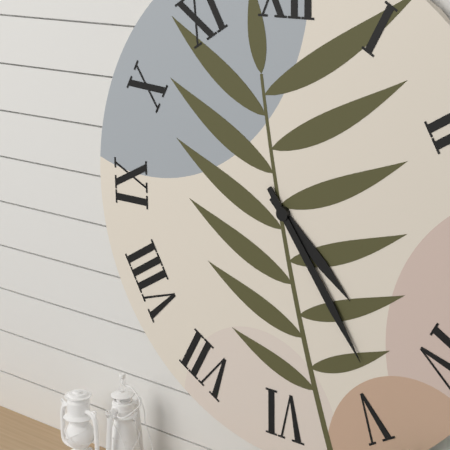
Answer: {"hour": 4, "minute": 24}
